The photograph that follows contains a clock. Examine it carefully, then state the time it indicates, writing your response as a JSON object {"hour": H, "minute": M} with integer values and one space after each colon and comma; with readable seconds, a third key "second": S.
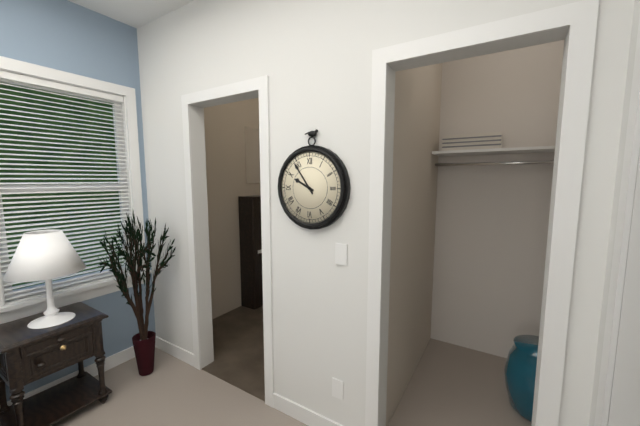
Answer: {"hour": 9, "minute": 54}
